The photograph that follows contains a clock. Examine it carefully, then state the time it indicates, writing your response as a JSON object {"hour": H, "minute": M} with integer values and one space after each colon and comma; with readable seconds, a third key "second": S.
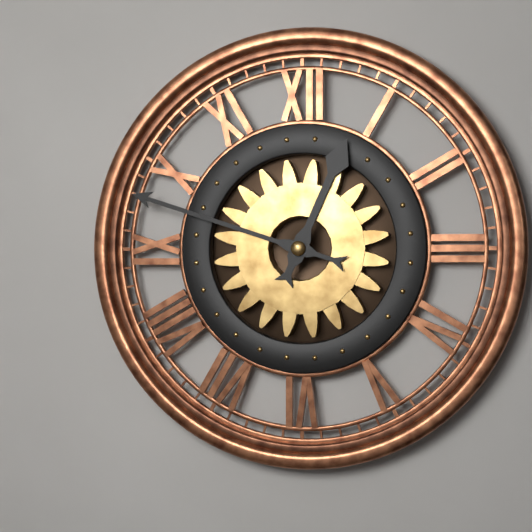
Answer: {"hour": 12, "minute": 48}
